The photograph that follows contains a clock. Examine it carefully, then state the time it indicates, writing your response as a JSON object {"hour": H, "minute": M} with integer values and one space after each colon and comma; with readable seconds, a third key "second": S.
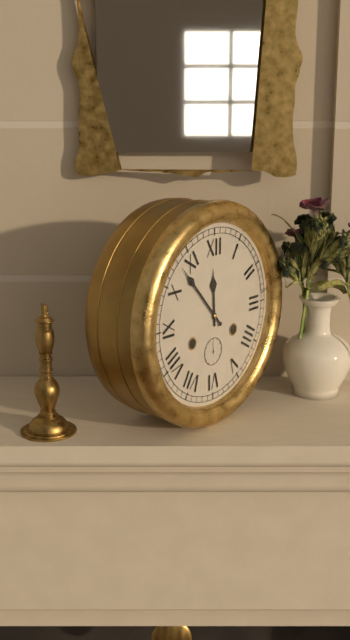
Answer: {"hour": 11, "minute": 53}
